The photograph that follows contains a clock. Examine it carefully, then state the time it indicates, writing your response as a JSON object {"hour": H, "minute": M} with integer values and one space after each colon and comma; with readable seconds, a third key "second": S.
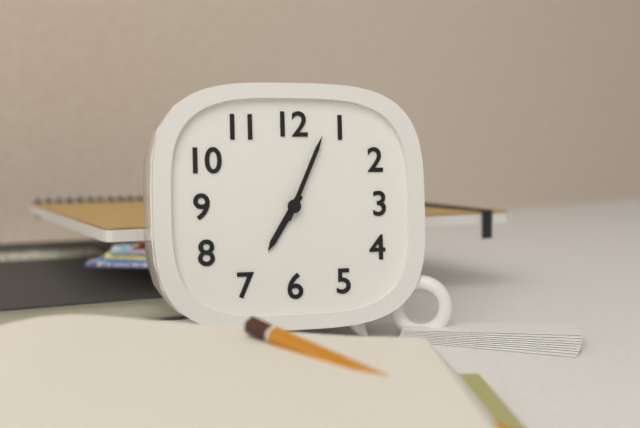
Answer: {"hour": 7, "minute": 4}
